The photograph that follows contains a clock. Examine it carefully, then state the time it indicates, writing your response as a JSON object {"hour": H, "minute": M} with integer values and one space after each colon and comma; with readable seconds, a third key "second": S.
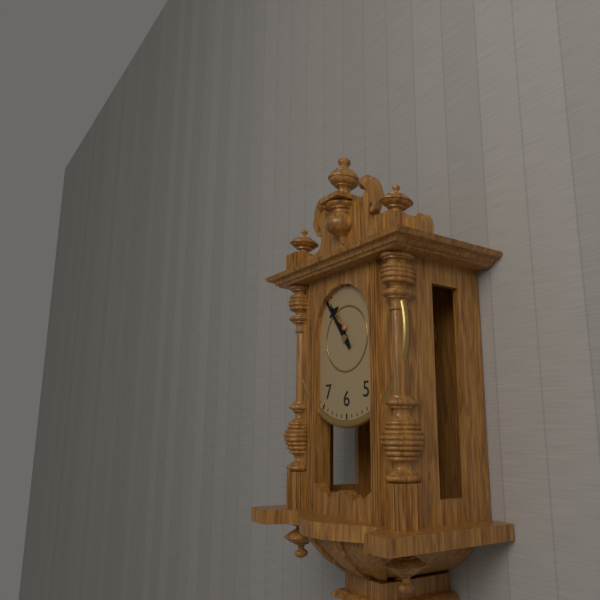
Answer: {"hour": 10, "minute": 54}
